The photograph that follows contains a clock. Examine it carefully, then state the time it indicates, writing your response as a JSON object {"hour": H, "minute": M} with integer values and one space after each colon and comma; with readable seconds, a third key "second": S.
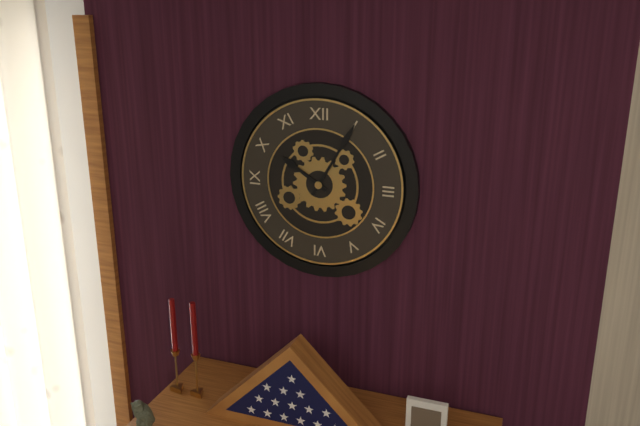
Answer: {"hour": 10, "minute": 5}
